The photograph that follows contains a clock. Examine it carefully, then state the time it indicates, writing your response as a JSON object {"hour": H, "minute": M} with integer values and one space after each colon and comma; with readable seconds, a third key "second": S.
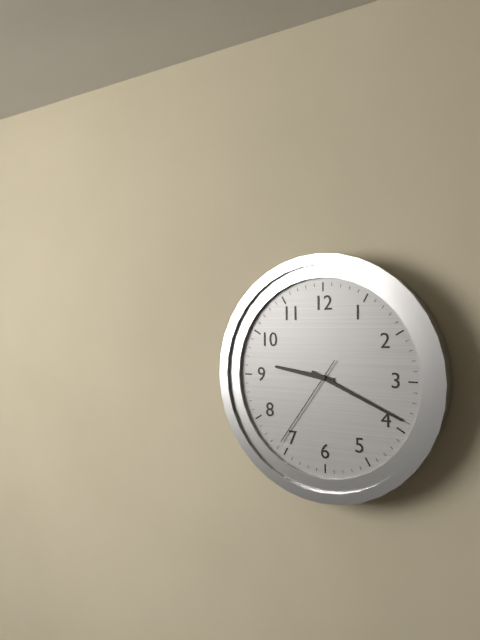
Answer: {"hour": 9, "minute": 19, "second": 36}
